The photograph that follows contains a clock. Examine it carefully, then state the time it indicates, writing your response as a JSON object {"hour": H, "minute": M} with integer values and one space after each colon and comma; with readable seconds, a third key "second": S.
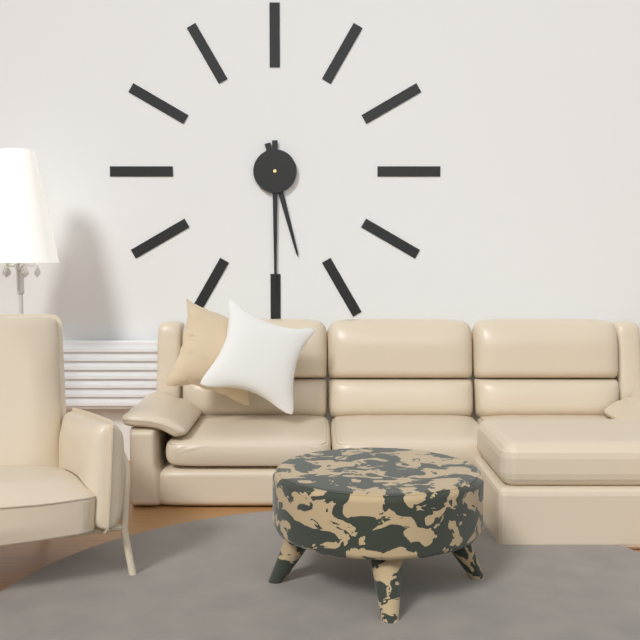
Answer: {"hour": 5, "minute": 30}
